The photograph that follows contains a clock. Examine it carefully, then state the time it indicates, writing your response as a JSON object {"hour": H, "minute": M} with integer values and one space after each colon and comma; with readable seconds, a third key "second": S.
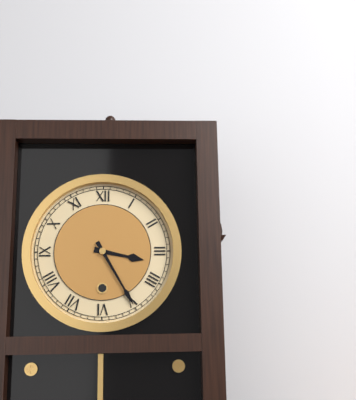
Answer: {"hour": 3, "minute": 25}
